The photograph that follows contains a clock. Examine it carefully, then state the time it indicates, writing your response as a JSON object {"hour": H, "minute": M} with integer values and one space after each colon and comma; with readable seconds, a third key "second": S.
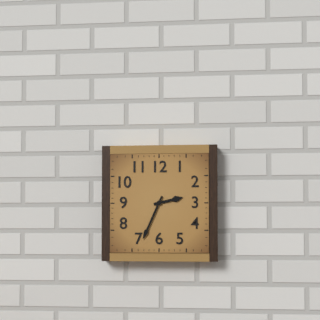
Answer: {"hour": 2, "minute": 34}
